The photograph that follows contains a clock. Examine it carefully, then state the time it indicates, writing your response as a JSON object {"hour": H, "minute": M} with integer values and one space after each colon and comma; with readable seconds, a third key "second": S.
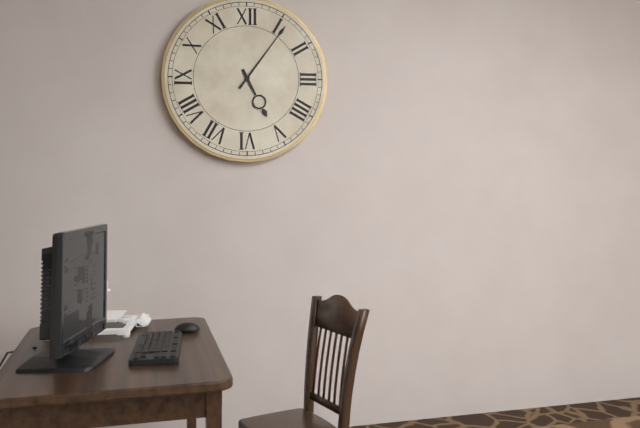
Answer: {"hour": 5, "minute": 6}
